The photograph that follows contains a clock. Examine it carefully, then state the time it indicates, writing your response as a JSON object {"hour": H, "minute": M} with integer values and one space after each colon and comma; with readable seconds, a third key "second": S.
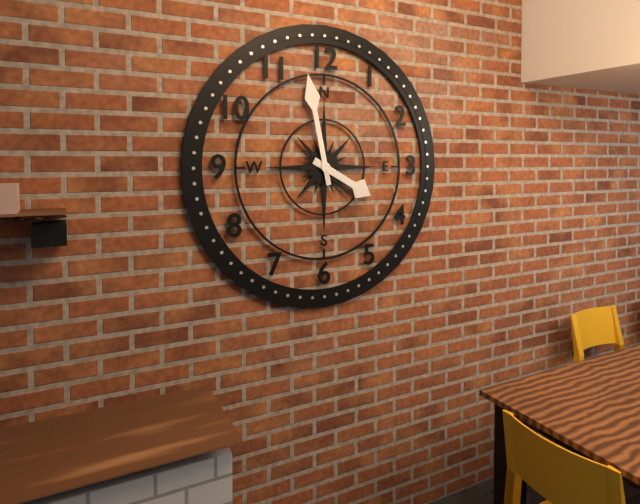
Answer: {"hour": 3, "minute": 58}
